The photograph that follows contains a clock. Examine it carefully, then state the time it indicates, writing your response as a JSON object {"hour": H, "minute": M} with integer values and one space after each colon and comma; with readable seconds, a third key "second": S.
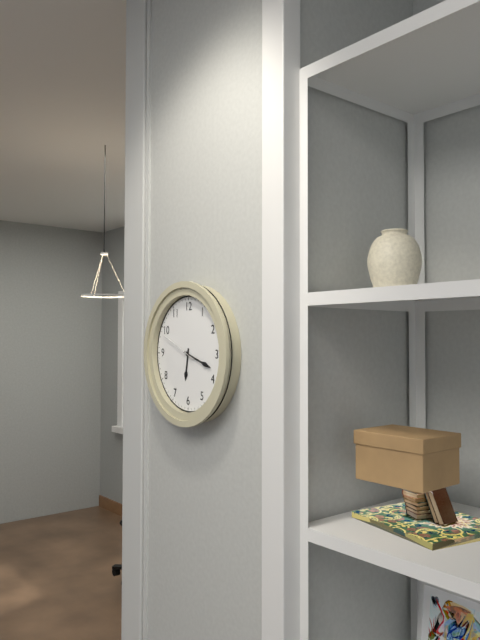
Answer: {"hour": 6, "minute": 18}
